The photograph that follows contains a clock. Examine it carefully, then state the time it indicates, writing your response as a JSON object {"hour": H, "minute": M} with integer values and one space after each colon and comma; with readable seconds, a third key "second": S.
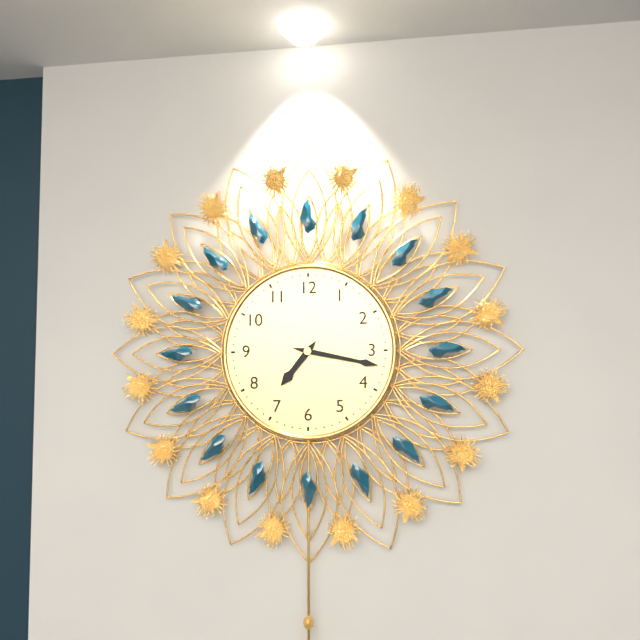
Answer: {"hour": 7, "minute": 17}
